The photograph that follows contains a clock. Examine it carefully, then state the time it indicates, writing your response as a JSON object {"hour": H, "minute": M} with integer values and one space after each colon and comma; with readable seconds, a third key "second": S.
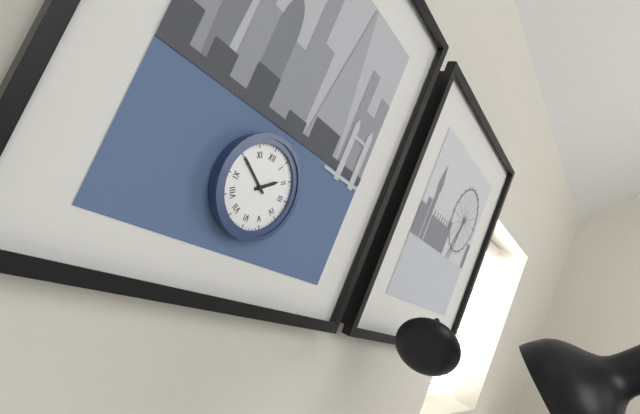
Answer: {"hour": 1, "minute": 50}
